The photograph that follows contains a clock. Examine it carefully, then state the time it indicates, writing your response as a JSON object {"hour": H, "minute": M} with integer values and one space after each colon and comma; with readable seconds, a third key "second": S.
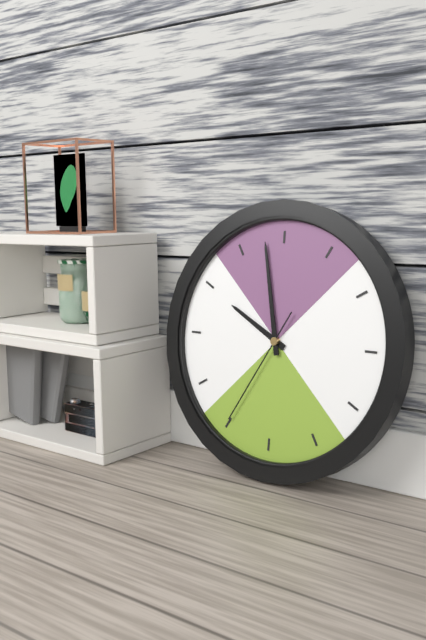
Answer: {"hour": 9, "minute": 58, "second": 35}
